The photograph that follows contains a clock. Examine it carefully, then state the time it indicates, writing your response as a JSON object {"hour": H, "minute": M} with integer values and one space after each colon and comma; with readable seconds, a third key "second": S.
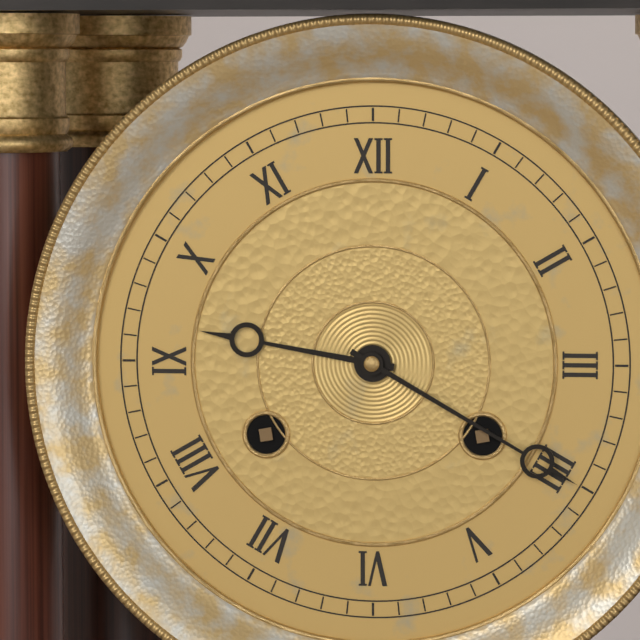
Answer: {"hour": 9, "minute": 20}
